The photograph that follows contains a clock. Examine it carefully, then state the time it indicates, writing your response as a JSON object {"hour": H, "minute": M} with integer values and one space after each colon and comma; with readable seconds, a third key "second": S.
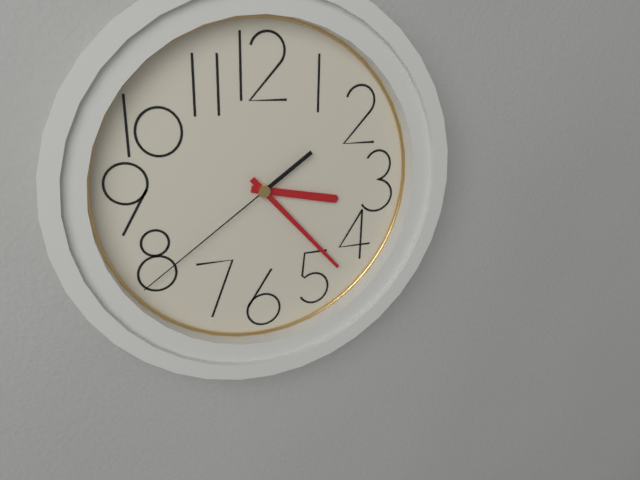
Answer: {"hour": 3, "minute": 23, "second": 39}
